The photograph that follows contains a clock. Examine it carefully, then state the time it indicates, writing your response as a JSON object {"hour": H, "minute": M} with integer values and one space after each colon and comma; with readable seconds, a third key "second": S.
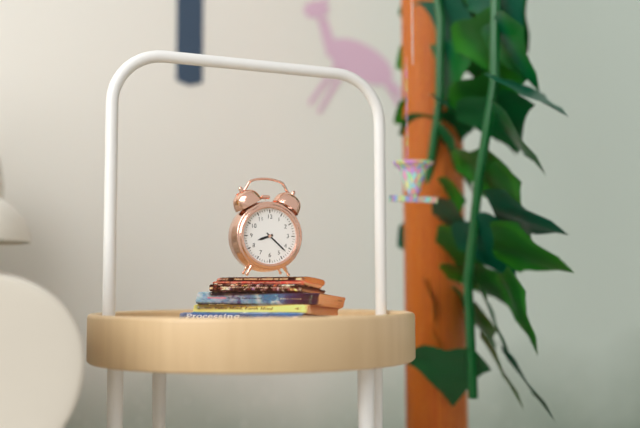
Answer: {"hour": 8, "minute": 22}
